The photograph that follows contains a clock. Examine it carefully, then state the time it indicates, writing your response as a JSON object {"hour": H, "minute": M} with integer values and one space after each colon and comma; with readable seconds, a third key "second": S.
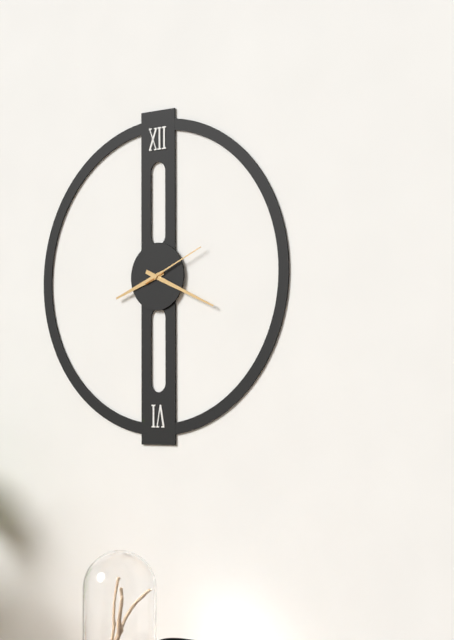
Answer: {"hour": 8, "minute": 19, "second": 11}
